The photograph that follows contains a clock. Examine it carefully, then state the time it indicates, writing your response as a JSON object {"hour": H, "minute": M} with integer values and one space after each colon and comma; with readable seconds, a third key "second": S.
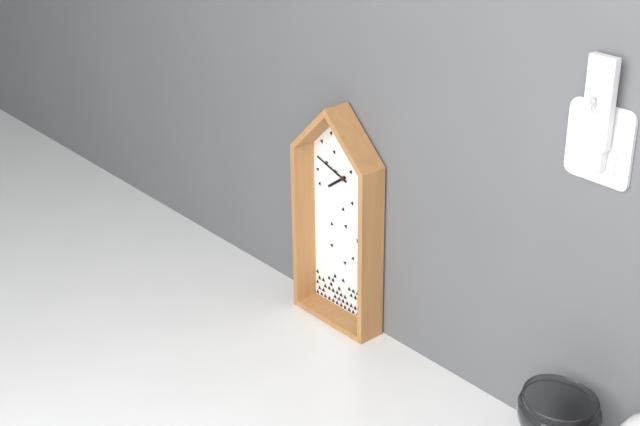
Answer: {"hour": 7, "minute": 48}
